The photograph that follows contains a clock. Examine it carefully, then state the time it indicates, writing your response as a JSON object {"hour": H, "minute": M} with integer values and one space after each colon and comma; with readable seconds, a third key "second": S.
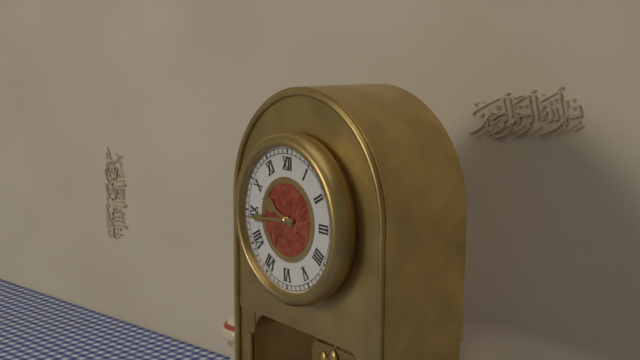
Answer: {"hour": 9, "minute": 44}
